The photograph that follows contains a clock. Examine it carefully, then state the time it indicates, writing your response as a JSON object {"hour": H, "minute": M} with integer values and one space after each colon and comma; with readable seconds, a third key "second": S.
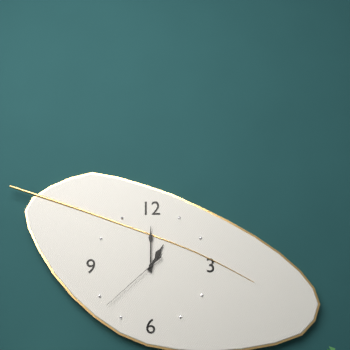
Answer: {"hour": 1, "minute": 0, "second": 38}
